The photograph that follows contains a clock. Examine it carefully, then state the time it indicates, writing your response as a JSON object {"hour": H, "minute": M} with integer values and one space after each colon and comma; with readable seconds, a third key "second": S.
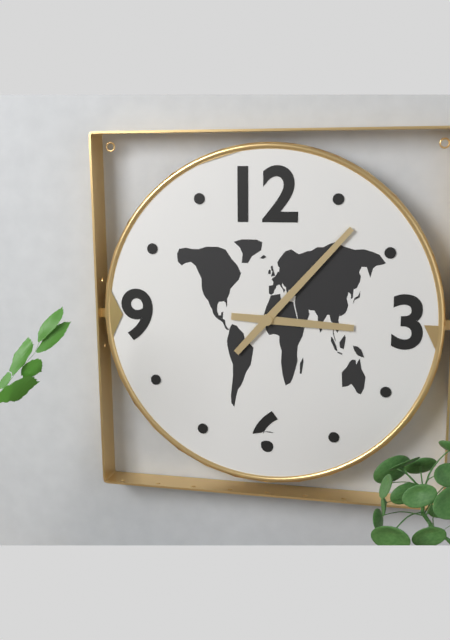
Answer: {"hour": 3, "minute": 7}
